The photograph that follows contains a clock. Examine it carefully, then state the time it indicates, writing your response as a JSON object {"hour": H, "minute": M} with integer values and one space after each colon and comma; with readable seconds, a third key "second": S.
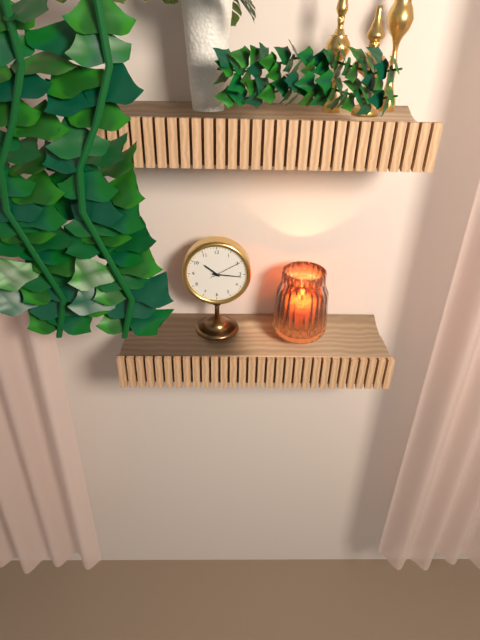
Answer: {"hour": 10, "minute": 16}
